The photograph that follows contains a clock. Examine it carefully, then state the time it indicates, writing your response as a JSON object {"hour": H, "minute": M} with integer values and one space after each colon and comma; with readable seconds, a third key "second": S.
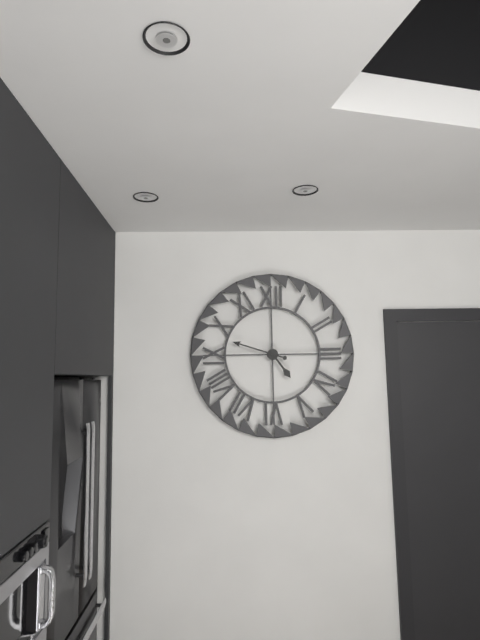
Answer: {"hour": 4, "minute": 48}
